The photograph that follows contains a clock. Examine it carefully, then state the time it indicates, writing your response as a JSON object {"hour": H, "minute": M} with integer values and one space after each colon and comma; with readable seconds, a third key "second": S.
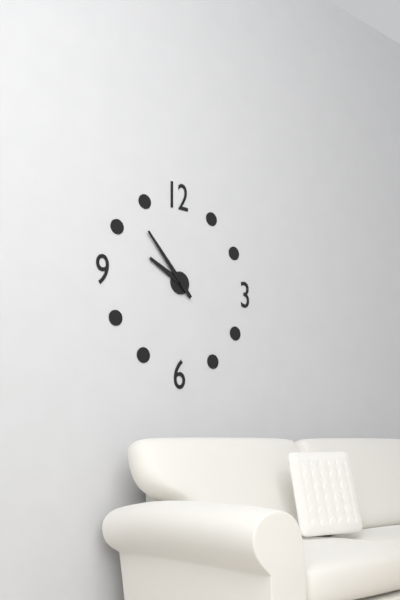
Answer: {"hour": 9, "minute": 53}
